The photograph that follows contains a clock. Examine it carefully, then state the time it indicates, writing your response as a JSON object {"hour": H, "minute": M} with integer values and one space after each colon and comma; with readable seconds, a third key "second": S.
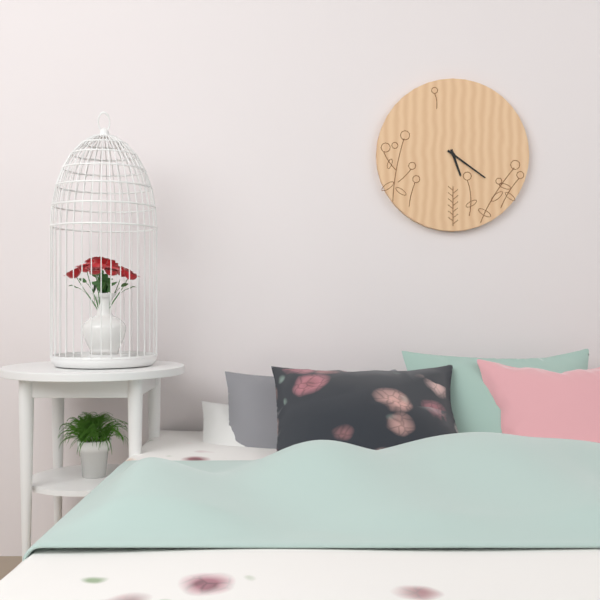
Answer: {"hour": 5, "minute": 21}
